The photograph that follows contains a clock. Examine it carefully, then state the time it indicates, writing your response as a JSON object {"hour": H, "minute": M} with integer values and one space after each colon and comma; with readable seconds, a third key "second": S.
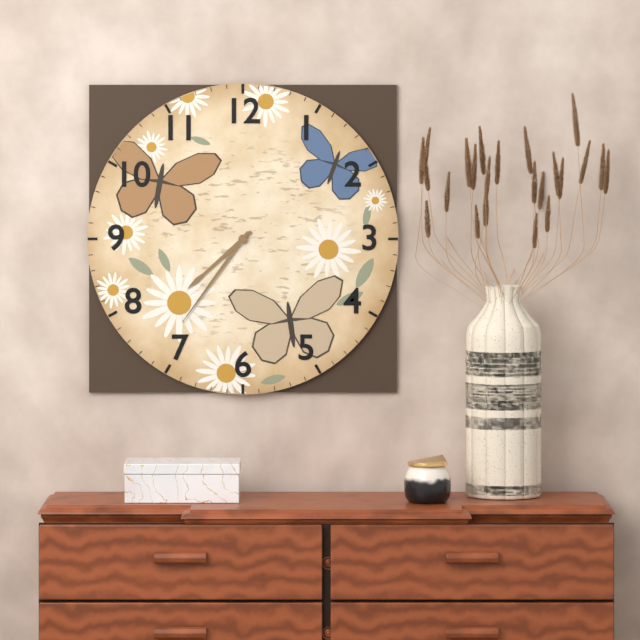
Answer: {"hour": 7, "minute": 36}
